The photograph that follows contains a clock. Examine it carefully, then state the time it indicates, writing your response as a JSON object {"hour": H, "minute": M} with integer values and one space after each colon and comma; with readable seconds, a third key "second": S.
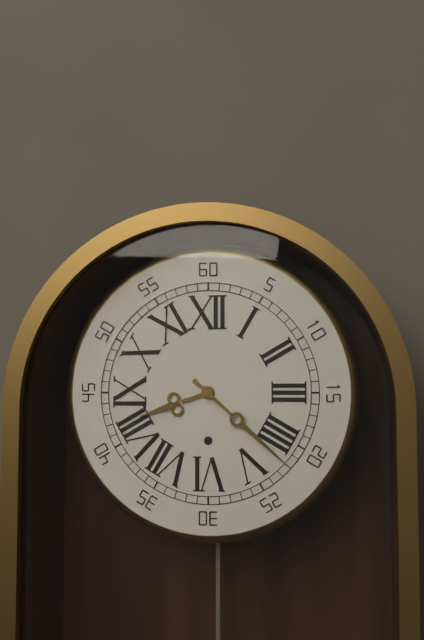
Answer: {"hour": 8, "minute": 22}
